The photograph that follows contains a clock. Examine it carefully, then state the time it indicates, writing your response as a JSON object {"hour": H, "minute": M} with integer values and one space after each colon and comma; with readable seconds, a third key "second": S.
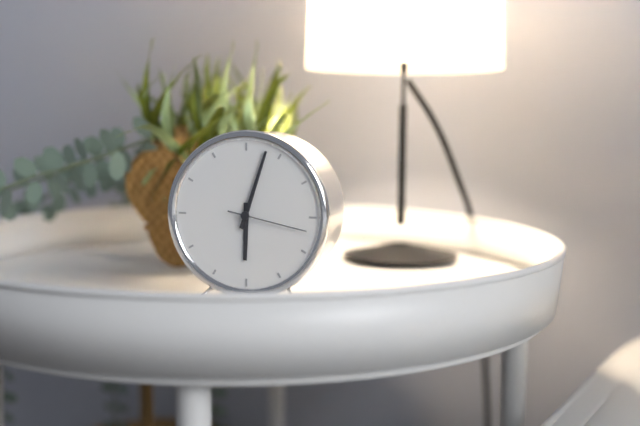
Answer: {"hour": 6, "minute": 3, "second": 17}
